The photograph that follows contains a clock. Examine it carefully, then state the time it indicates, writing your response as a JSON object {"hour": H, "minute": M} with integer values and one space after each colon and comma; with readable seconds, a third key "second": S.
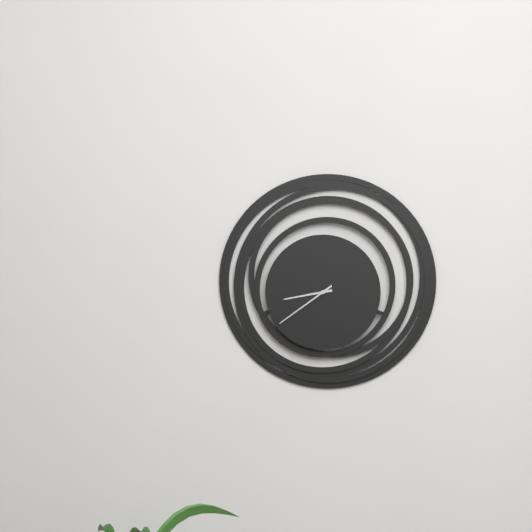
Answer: {"hour": 8, "minute": 39}
